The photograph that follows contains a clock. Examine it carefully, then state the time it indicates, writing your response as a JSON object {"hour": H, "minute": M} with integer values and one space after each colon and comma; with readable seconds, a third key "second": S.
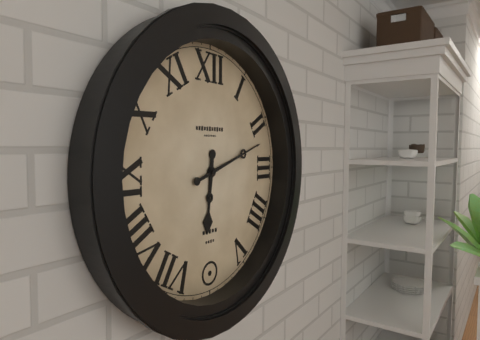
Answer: {"hour": 6, "minute": 12}
